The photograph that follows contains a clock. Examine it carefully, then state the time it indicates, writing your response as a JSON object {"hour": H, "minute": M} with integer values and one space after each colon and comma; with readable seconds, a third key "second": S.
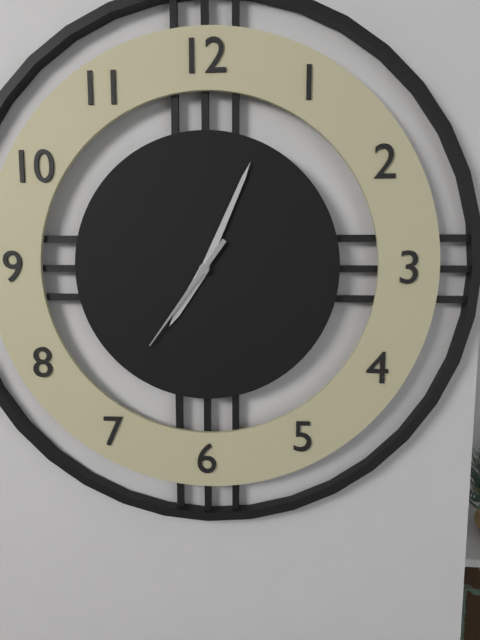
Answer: {"hour": 7, "minute": 4, "second": 36}
